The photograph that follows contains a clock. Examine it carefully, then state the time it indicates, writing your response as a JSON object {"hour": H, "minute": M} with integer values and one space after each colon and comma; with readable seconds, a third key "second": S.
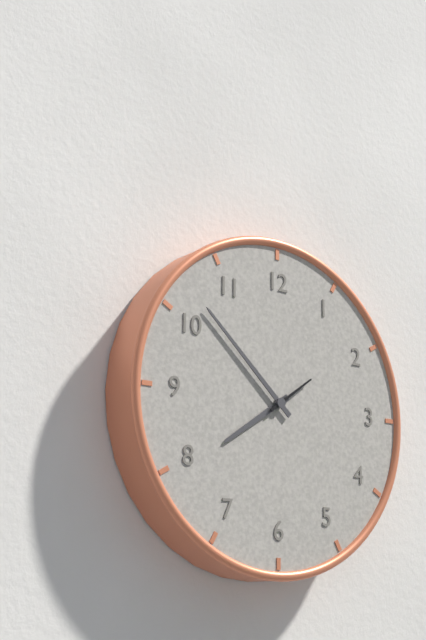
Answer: {"hour": 7, "minute": 52, "second": 9}
